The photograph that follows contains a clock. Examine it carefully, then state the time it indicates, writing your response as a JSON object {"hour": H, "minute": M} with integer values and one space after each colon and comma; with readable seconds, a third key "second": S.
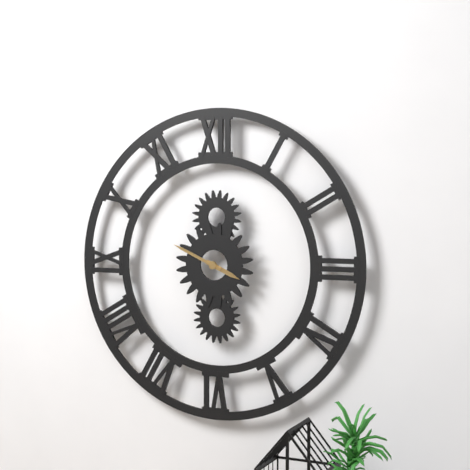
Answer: {"hour": 3, "minute": 49}
